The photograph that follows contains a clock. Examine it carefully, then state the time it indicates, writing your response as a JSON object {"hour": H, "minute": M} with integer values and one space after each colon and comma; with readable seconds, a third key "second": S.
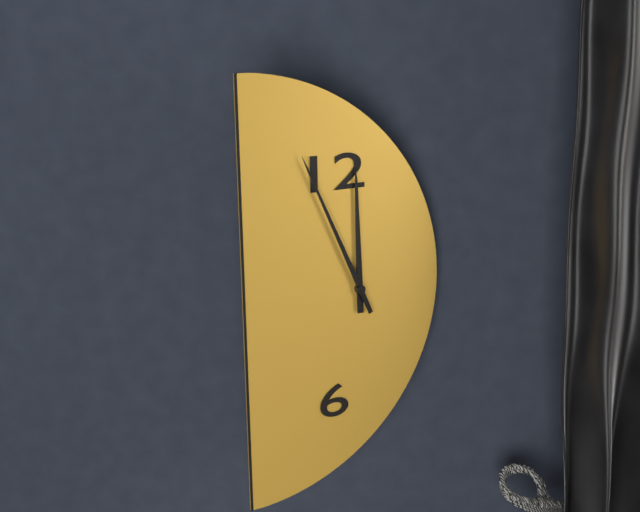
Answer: {"hour": 11, "minute": 56}
